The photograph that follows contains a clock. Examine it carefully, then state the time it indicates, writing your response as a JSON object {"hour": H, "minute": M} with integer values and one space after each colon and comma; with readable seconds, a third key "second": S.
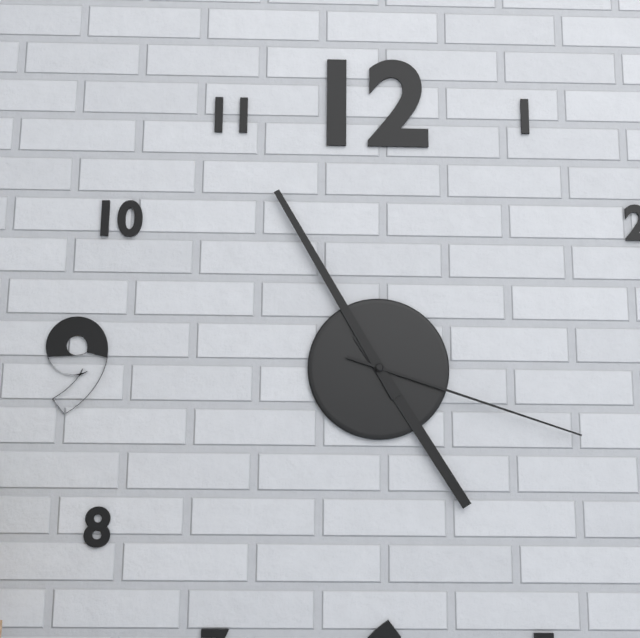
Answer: {"hour": 4, "minute": 55, "second": 18}
